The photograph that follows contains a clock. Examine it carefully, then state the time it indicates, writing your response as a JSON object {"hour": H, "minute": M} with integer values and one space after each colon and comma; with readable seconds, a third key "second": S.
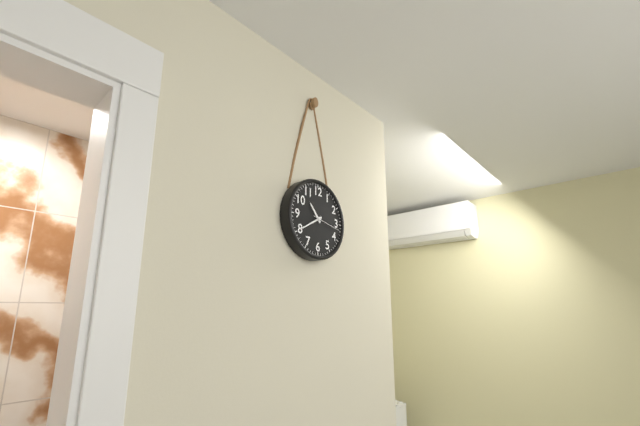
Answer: {"hour": 10, "minute": 40}
